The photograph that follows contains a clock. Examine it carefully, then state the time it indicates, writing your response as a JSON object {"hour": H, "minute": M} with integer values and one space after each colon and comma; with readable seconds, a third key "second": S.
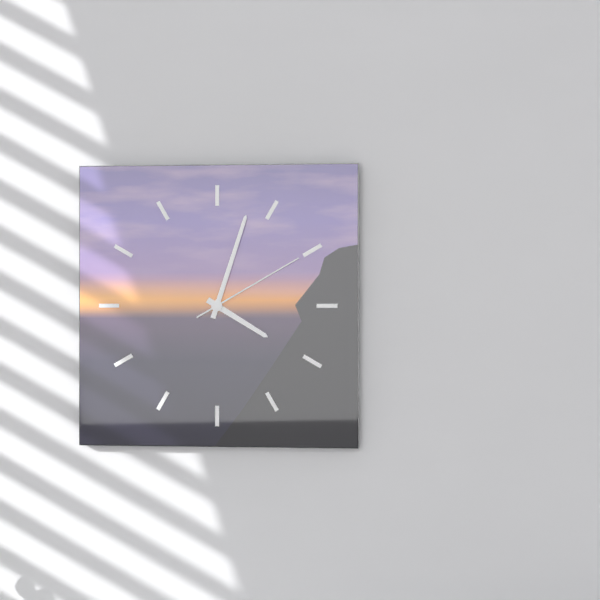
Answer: {"hour": 4, "minute": 3, "second": 10}
